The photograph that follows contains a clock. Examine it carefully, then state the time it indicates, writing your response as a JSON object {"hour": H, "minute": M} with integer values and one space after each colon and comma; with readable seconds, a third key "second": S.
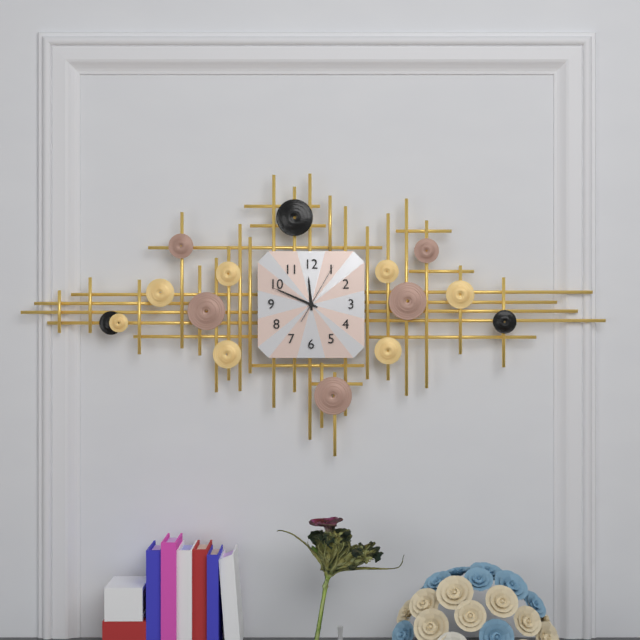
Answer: {"hour": 11, "minute": 49, "second": 5}
